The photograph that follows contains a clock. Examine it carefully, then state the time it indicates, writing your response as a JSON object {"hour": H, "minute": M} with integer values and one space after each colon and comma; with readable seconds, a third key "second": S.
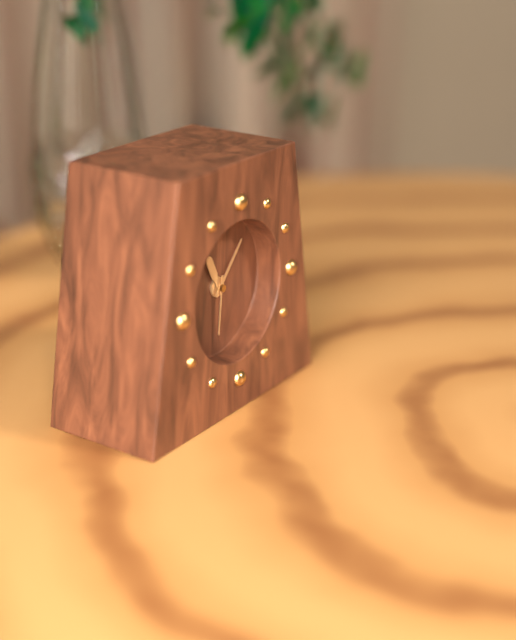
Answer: {"hour": 11, "minute": 7, "second": 31}
